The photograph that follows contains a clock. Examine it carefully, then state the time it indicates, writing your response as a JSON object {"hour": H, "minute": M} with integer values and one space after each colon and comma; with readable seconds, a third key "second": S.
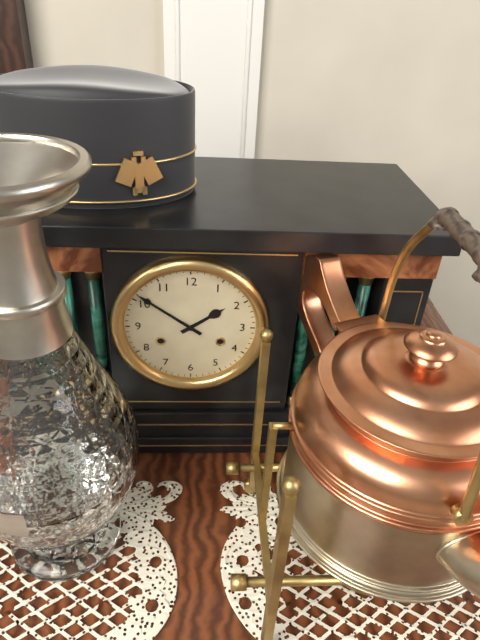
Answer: {"hour": 1, "minute": 51}
